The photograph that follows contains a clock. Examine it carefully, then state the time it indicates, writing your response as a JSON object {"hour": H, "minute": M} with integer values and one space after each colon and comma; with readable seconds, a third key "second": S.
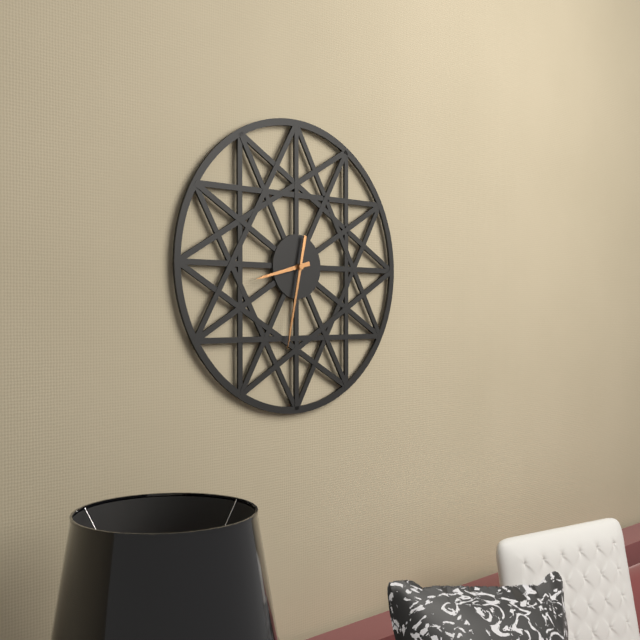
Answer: {"hour": 8, "minute": 32}
